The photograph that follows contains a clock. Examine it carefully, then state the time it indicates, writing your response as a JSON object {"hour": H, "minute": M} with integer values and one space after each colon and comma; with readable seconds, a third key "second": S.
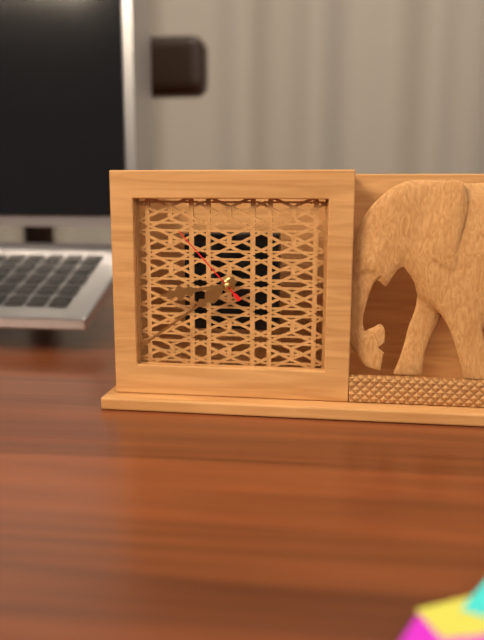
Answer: {"hour": 8, "minute": 39, "second": 53}
